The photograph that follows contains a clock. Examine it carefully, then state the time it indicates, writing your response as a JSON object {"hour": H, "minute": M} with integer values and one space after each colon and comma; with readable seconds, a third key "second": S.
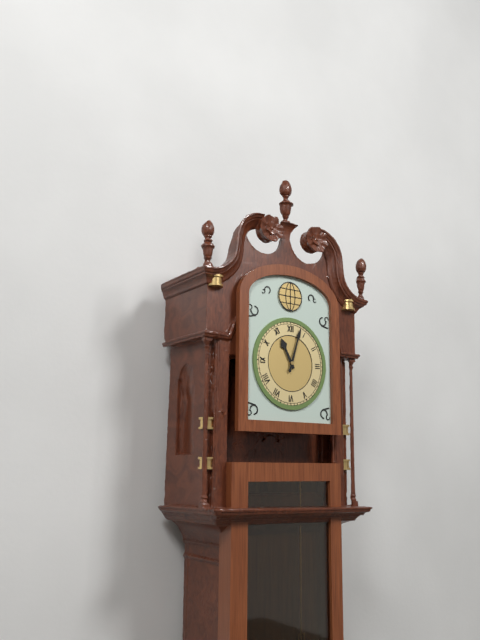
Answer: {"hour": 11, "minute": 3}
